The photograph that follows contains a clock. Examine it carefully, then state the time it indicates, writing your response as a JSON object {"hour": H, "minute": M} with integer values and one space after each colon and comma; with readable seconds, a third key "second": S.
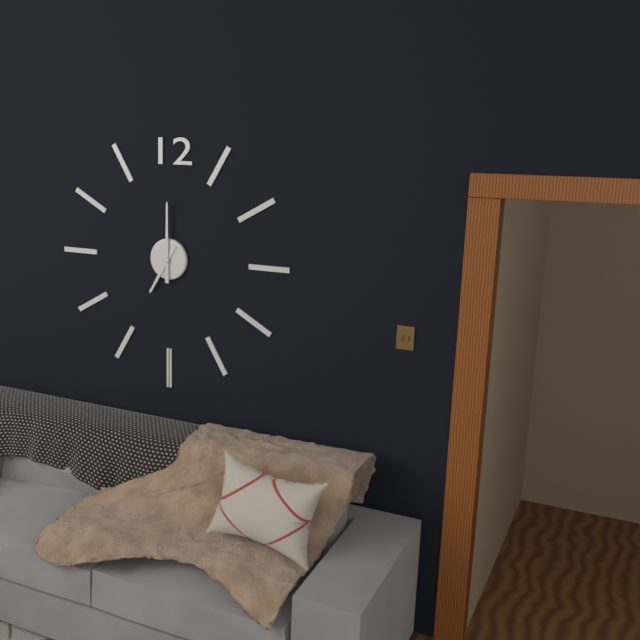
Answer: {"hour": 7, "minute": 0}
